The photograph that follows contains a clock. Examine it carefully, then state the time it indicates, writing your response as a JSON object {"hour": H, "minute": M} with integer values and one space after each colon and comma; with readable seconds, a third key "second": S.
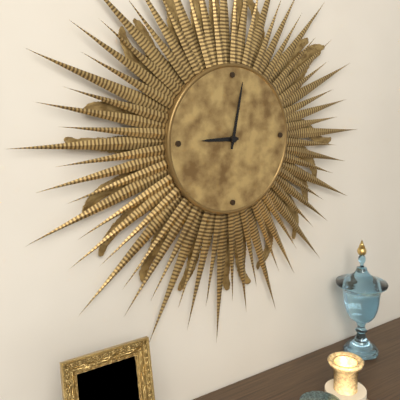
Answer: {"hour": 9, "minute": 2}
